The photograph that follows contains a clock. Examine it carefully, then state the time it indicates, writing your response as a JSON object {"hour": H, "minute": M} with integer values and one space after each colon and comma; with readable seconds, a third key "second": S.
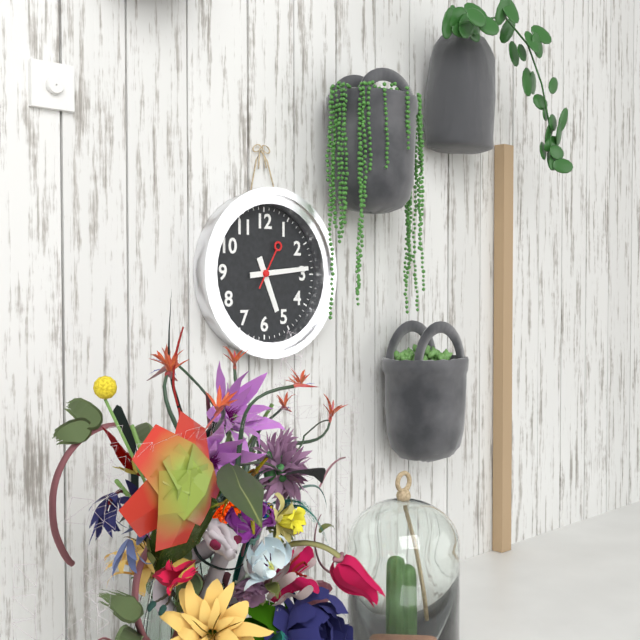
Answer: {"hour": 5, "minute": 14}
